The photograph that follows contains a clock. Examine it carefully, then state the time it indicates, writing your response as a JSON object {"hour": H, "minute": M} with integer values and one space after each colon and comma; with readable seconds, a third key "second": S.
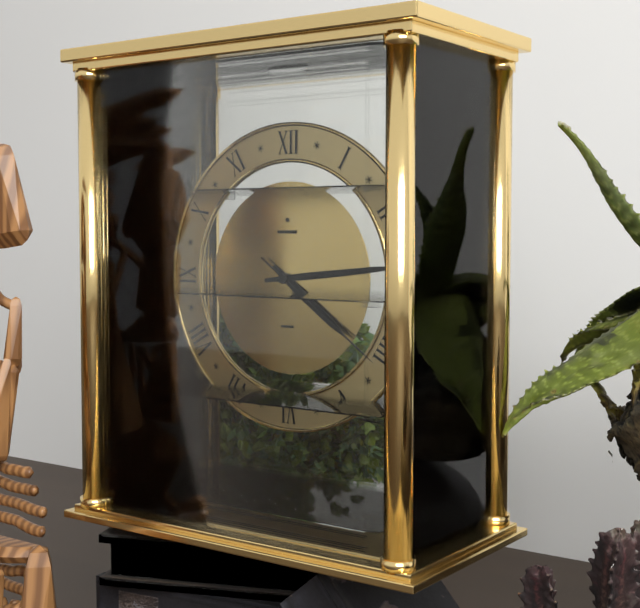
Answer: {"hour": 4, "minute": 14, "second": 21}
